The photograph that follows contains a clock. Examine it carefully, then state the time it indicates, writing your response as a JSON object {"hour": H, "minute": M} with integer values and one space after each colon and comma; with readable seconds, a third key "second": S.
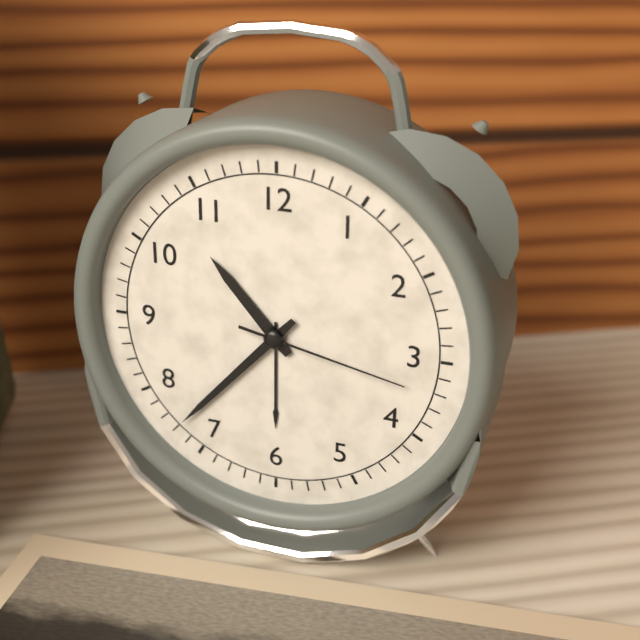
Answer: {"hour": 10, "minute": 37, "second": 17}
